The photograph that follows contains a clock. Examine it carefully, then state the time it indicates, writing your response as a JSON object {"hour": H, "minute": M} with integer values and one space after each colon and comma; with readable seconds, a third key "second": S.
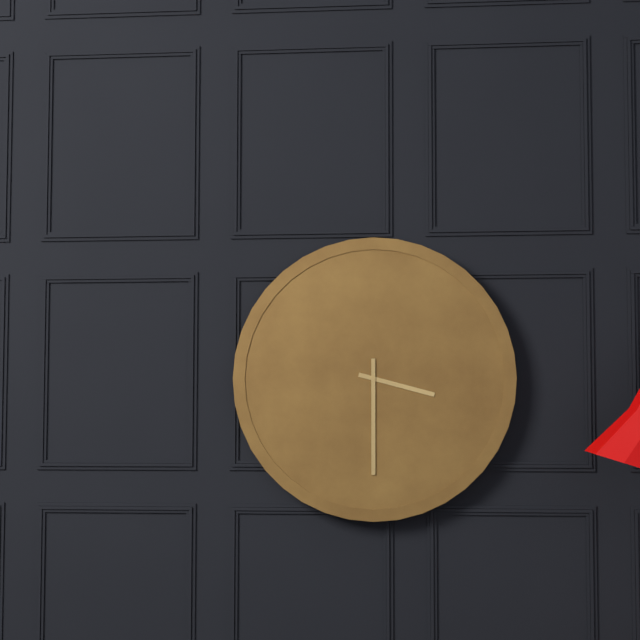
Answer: {"hour": 3, "minute": 30}
